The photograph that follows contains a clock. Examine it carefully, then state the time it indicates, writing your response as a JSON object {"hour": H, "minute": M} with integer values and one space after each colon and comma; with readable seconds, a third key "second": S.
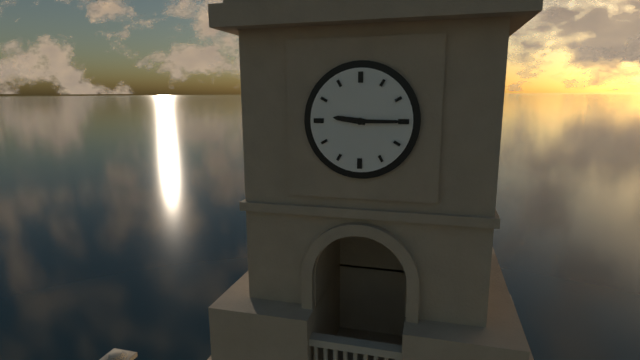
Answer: {"hour": 9, "minute": 15}
